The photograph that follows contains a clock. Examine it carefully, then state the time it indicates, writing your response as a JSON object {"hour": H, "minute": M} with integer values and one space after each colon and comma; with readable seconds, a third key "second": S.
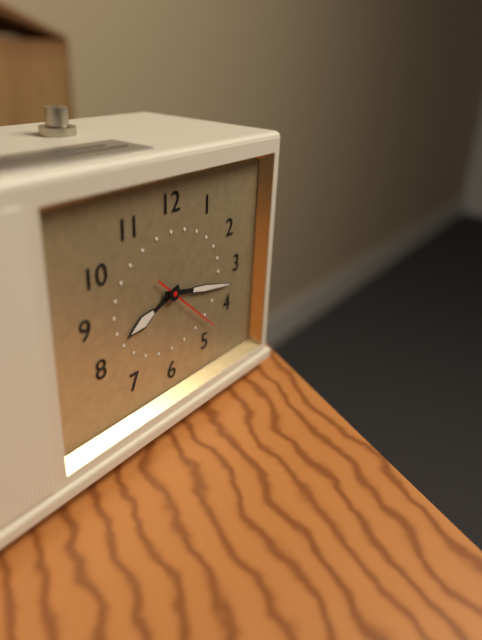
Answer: {"hour": 8, "minute": 17, "second": 22}
